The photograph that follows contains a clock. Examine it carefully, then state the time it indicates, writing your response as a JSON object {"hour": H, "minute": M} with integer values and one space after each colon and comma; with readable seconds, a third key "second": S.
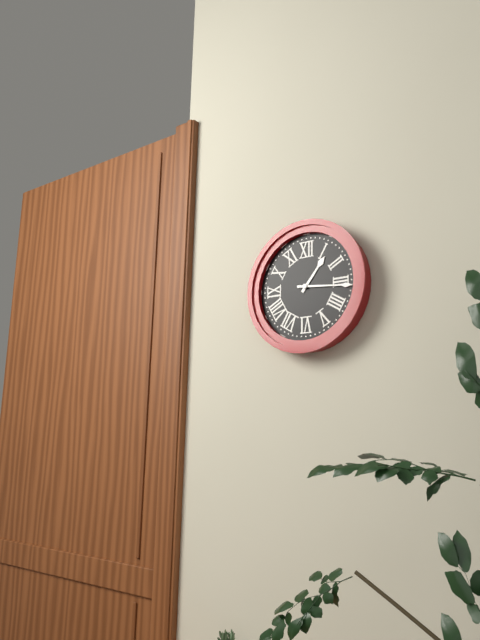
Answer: {"hour": 1, "minute": 16}
